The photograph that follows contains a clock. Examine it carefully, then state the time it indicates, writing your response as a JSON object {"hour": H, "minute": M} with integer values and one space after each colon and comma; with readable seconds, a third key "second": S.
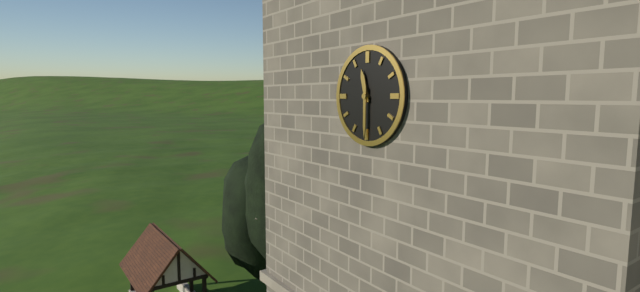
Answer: {"hour": 11, "minute": 30}
